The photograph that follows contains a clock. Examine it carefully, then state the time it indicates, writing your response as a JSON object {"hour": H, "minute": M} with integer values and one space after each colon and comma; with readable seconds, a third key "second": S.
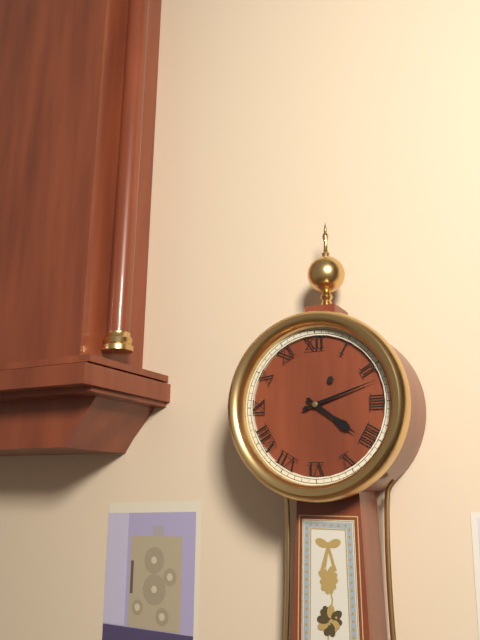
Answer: {"hour": 4, "minute": 12}
